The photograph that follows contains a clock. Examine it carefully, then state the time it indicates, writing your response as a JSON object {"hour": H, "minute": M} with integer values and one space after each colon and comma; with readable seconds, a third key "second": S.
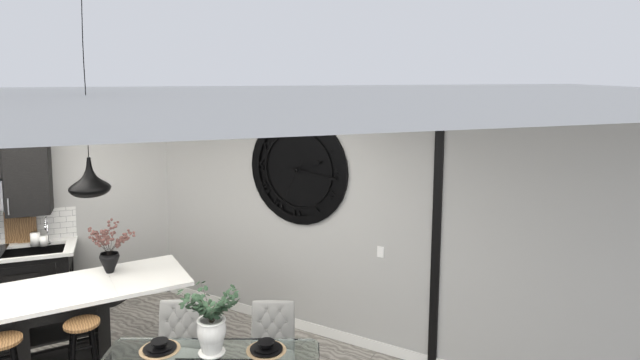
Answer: {"hour": 2, "minute": 16, "second": 34}
